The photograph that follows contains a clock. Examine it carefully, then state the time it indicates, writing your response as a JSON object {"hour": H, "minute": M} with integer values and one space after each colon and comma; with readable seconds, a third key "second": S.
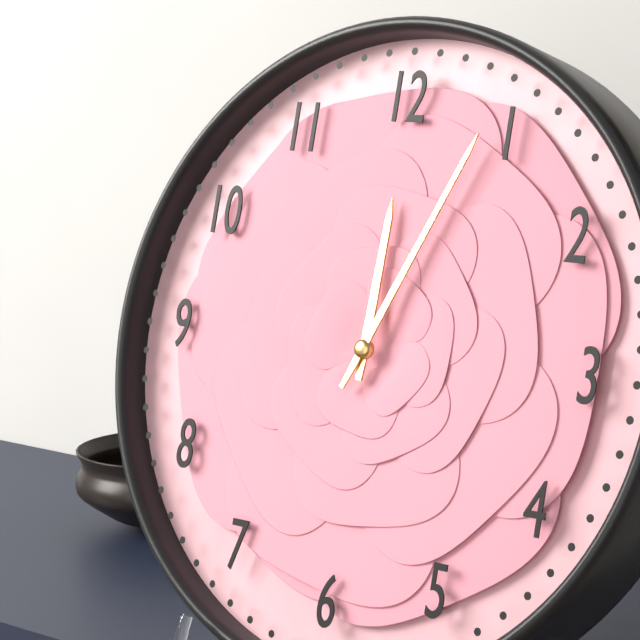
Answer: {"hour": 12, "minute": 4}
